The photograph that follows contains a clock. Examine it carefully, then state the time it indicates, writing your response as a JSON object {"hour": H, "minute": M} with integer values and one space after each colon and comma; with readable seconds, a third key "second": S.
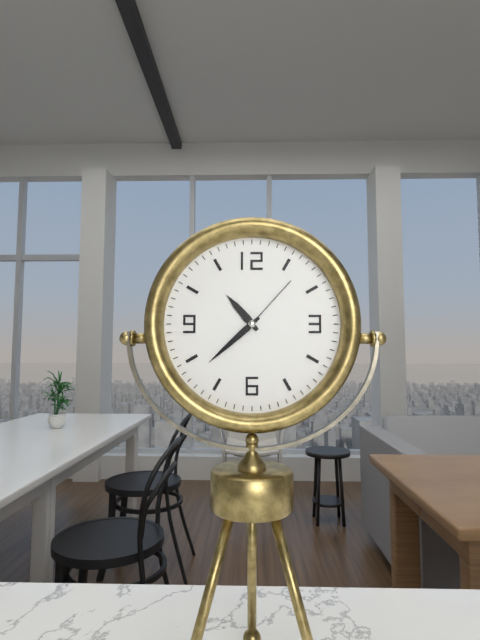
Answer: {"hour": 10, "minute": 38, "second": 7}
